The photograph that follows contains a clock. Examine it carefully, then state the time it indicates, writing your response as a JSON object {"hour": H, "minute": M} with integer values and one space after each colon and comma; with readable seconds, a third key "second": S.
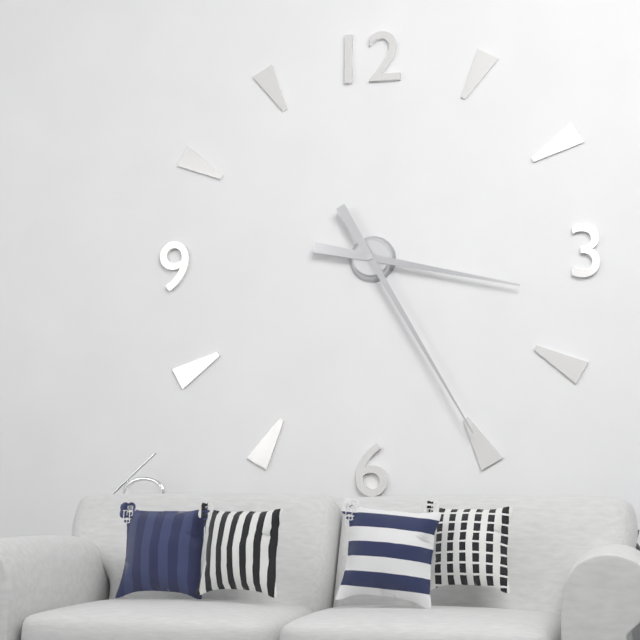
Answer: {"hour": 3, "minute": 25}
